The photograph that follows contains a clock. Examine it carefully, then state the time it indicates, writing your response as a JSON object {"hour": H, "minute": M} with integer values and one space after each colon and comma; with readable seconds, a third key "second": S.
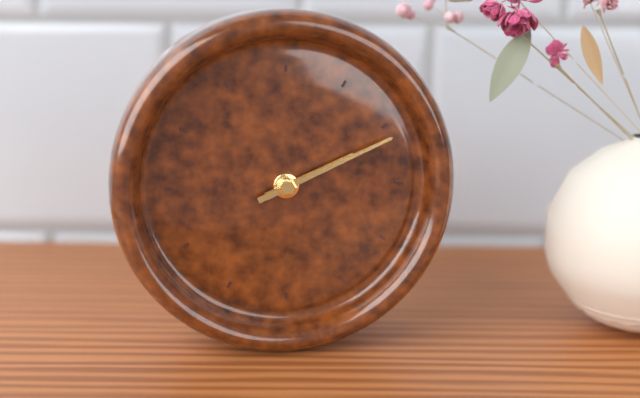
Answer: {"hour": 2, "minute": 11}
